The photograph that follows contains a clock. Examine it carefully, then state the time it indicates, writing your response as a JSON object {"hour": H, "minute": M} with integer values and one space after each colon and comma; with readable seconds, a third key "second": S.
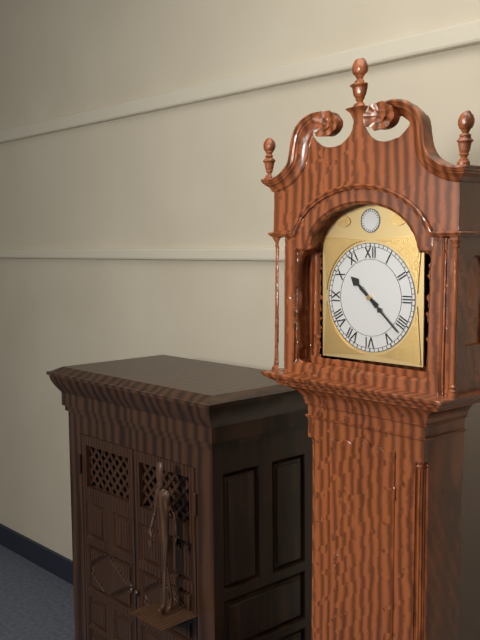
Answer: {"hour": 10, "minute": 22}
